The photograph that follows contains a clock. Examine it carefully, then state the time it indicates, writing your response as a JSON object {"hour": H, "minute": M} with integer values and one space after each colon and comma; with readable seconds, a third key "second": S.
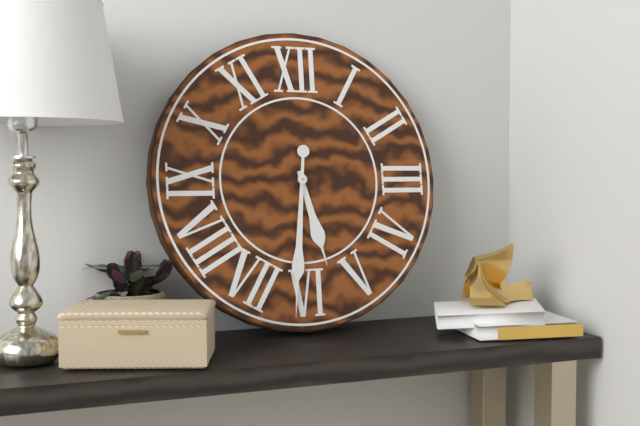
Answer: {"hour": 5, "minute": 31}
